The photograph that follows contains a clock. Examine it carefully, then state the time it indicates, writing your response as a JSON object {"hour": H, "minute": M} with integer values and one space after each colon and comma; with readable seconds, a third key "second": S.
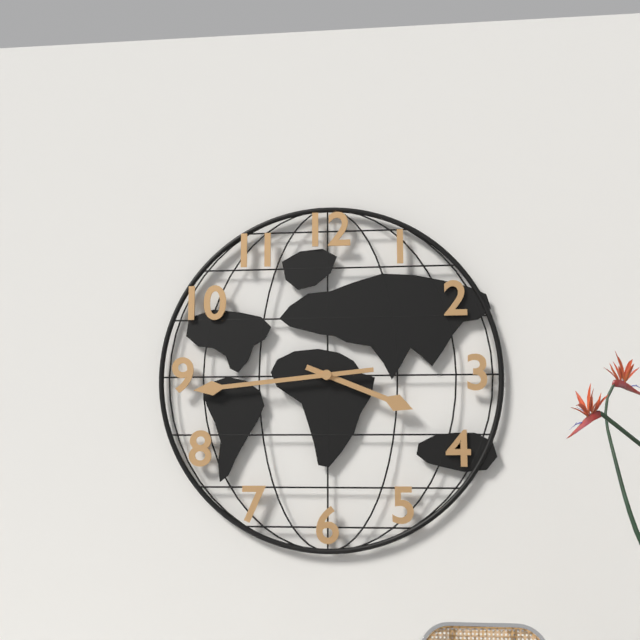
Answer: {"hour": 3, "minute": 44}
